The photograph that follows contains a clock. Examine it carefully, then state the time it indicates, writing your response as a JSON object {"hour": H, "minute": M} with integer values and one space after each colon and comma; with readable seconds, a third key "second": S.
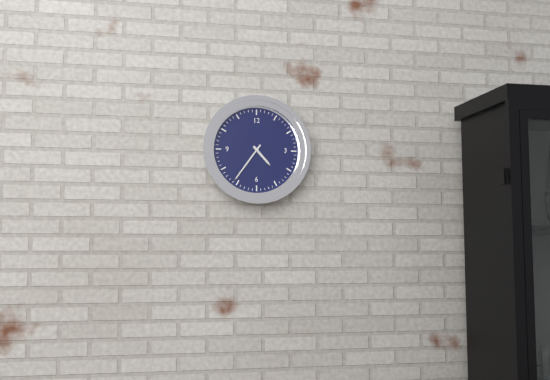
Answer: {"hour": 4, "minute": 36}
